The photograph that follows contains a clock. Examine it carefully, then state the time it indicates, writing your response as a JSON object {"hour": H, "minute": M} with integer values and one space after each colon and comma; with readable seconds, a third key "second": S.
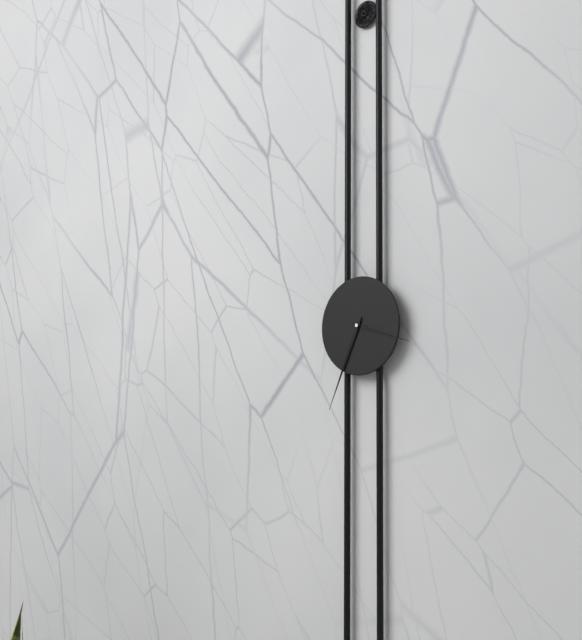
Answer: {"hour": 3, "minute": 34}
